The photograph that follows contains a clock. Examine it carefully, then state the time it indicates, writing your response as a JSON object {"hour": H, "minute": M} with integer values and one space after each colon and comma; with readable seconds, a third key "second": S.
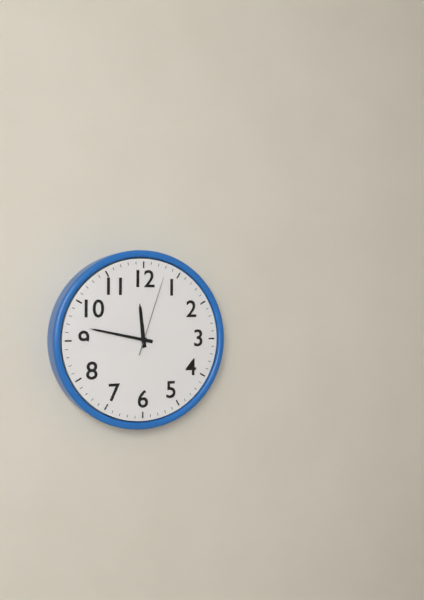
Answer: {"hour": 11, "minute": 47, "second": 3}
